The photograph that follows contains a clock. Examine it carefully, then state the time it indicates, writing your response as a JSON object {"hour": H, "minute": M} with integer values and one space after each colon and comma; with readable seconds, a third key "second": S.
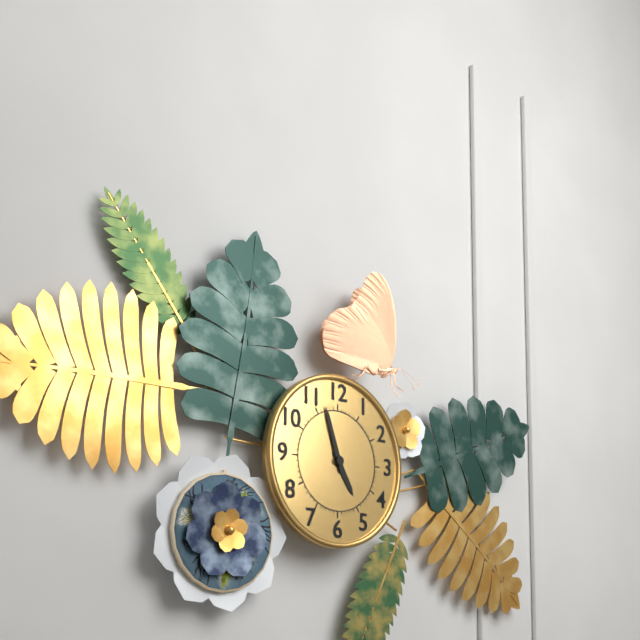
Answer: {"hour": 4, "minute": 57}
